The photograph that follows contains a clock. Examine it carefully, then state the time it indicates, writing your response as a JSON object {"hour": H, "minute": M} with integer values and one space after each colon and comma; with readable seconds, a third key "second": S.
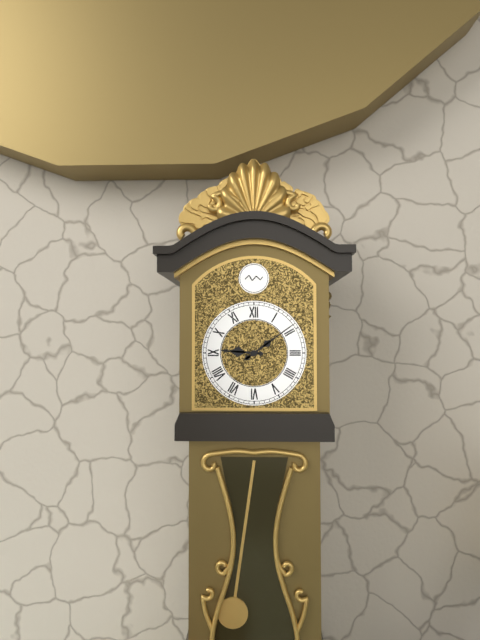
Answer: {"hour": 9, "minute": 9}
